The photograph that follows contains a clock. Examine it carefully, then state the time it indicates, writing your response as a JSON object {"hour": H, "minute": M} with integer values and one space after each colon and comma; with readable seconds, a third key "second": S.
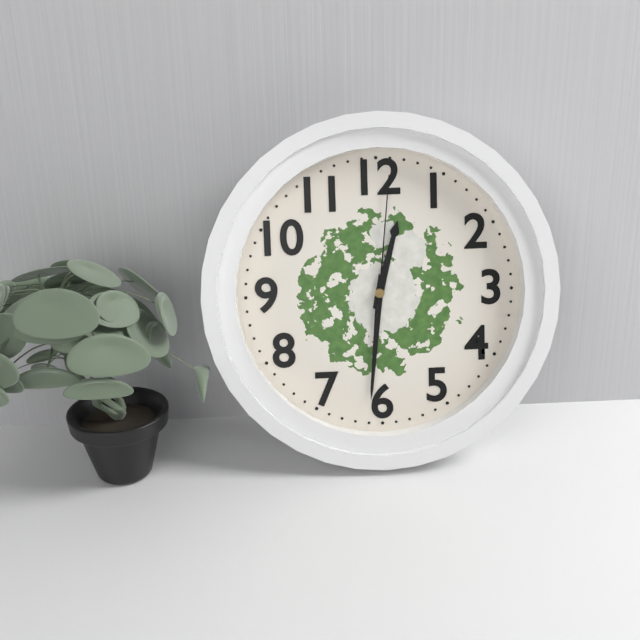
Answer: {"hour": 12, "minute": 31, "second": 1}
